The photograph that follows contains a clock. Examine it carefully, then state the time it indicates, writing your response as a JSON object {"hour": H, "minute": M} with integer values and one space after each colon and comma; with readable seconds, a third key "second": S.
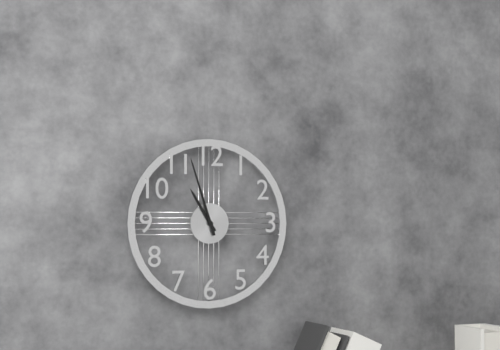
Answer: {"hour": 10, "minute": 57}
